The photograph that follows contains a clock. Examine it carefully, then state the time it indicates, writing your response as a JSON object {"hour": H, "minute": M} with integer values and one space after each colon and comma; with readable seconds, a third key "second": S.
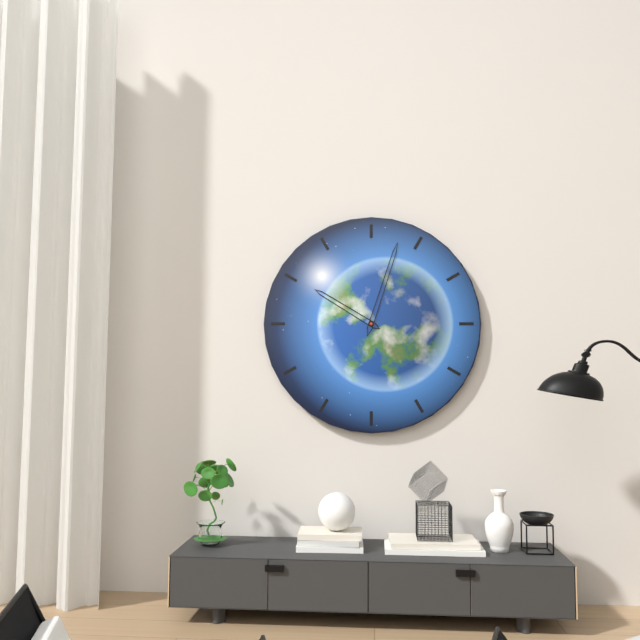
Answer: {"hour": 10, "minute": 3}
